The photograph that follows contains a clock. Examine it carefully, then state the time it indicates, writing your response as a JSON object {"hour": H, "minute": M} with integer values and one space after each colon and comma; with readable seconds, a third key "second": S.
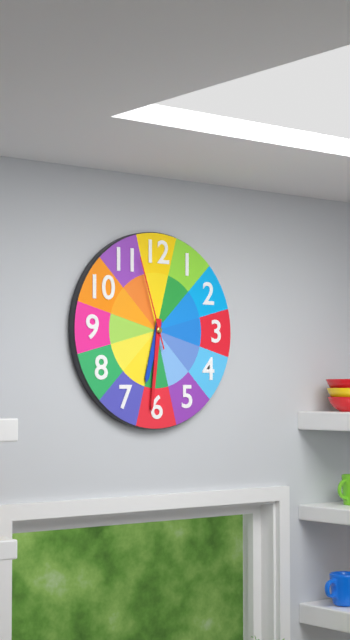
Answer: {"hour": 6, "minute": 31, "second": 57}
